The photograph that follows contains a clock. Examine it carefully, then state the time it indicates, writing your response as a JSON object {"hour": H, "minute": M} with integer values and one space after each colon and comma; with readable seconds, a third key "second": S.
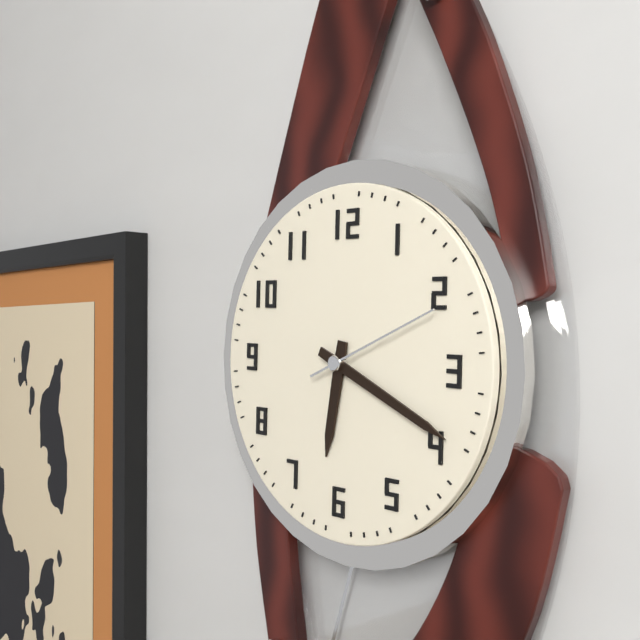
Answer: {"hour": 6, "minute": 19, "second": 11}
